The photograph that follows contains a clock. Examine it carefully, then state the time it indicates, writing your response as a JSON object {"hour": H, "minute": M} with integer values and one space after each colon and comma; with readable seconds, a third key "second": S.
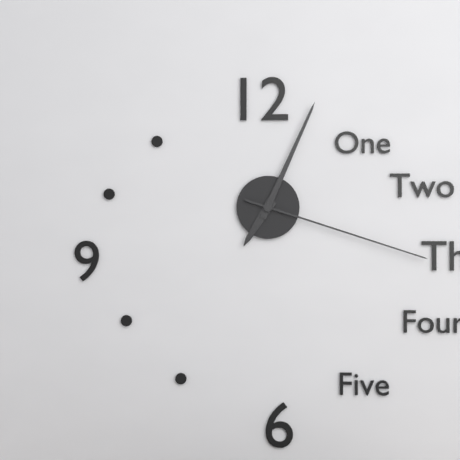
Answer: {"hour": 7, "minute": 4, "second": 18}
